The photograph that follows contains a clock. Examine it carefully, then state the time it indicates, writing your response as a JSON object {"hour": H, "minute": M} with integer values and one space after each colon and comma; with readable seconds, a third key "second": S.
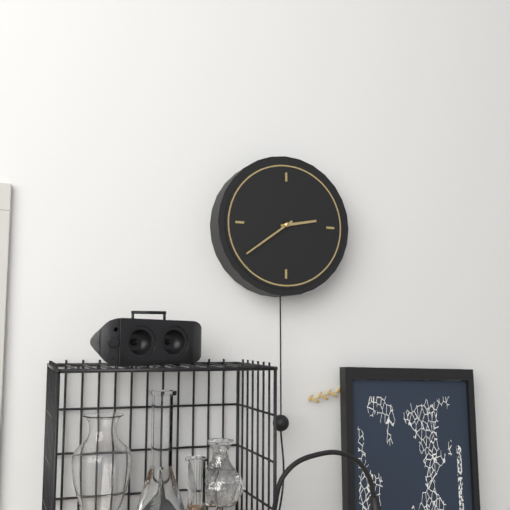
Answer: {"hour": 2, "minute": 39}
